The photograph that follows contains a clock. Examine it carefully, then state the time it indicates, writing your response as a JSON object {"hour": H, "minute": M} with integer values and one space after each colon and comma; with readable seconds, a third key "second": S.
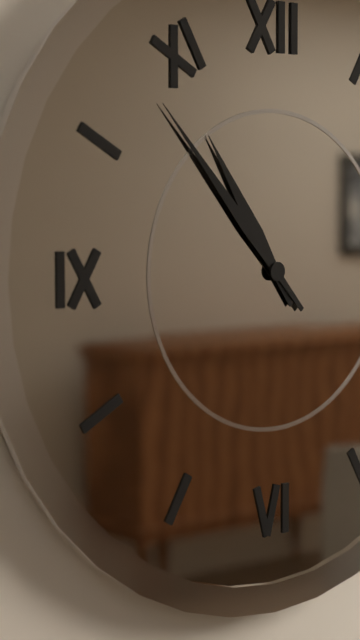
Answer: {"hour": 10, "minute": 53}
